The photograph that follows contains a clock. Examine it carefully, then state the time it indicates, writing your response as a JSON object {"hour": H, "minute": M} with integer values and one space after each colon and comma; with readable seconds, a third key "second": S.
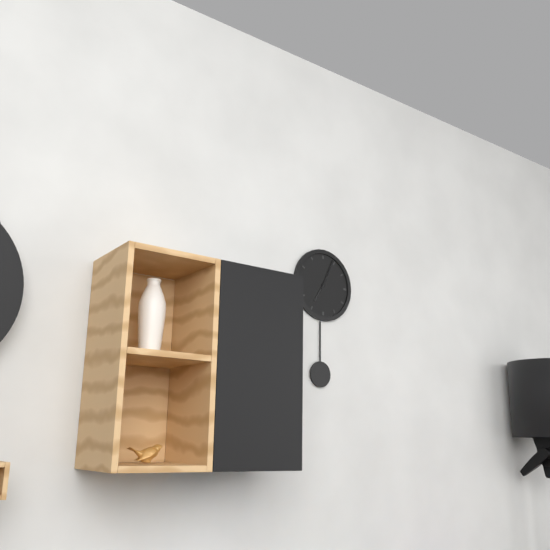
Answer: {"hour": 7, "minute": 4}
